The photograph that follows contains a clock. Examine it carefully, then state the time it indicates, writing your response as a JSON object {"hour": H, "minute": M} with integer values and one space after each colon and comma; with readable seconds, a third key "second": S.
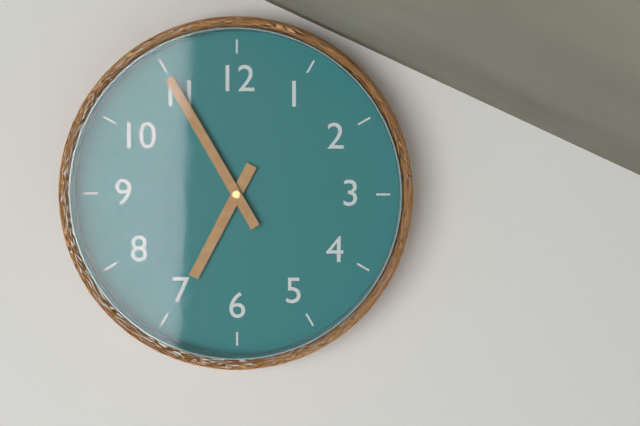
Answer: {"hour": 6, "minute": 55}
